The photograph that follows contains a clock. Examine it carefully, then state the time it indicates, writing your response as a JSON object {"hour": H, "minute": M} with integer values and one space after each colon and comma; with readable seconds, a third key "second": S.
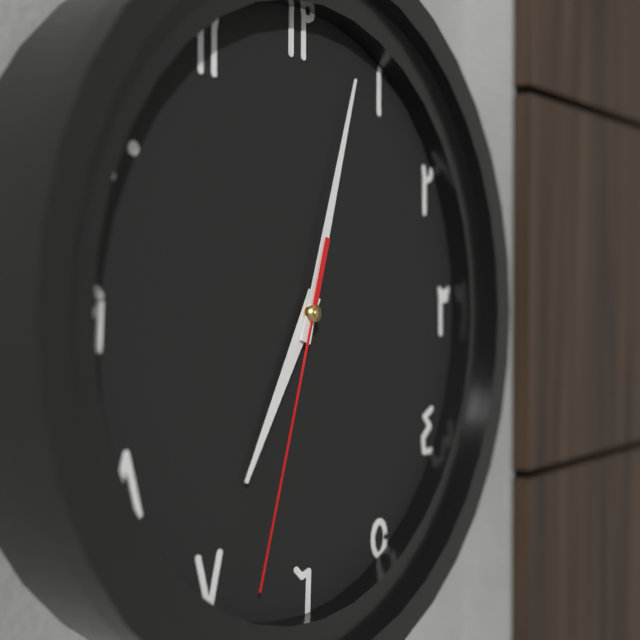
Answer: {"hour": 7, "minute": 3, "second": 33}
